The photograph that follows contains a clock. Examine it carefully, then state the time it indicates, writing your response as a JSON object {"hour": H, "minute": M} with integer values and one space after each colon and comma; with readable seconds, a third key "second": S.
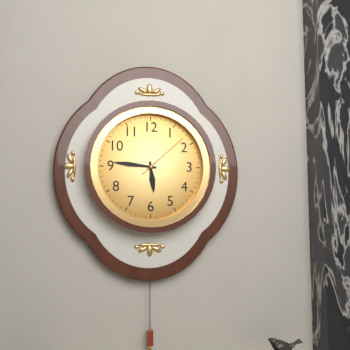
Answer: {"hour": 5, "minute": 46, "second": 8}
